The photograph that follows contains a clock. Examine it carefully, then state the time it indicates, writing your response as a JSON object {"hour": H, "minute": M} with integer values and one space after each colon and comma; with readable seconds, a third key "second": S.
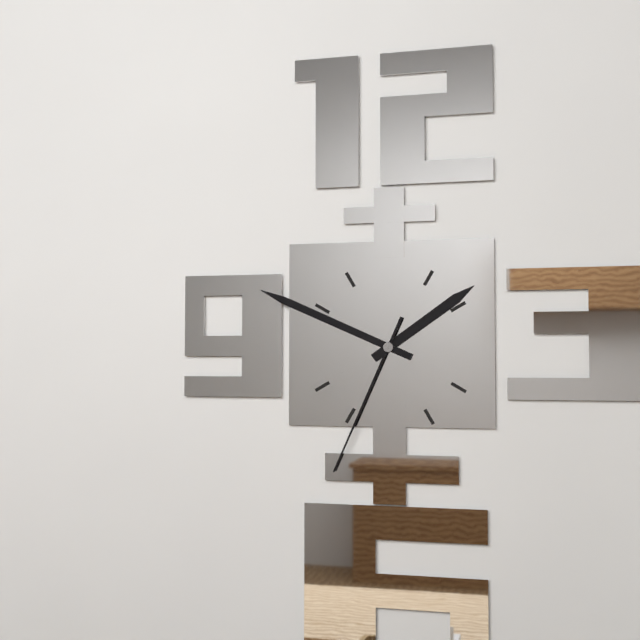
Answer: {"hour": 1, "minute": 49, "second": 34}
